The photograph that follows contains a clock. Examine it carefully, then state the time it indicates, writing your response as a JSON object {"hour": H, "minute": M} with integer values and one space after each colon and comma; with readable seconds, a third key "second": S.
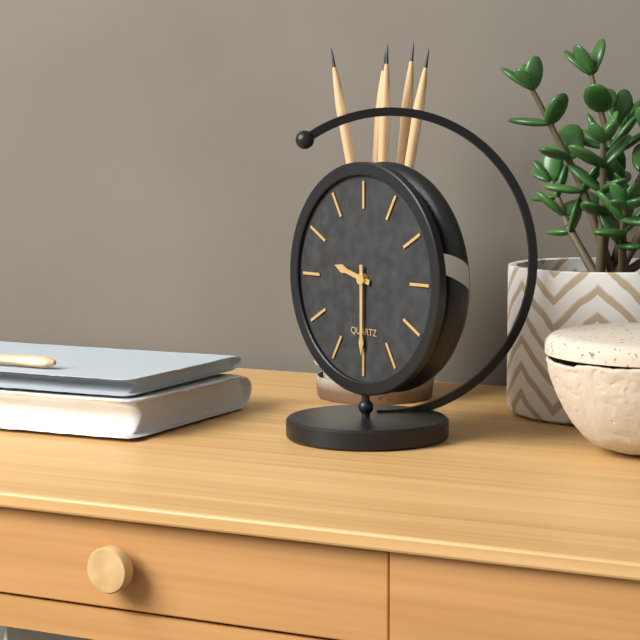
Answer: {"hour": 9, "minute": 30}
